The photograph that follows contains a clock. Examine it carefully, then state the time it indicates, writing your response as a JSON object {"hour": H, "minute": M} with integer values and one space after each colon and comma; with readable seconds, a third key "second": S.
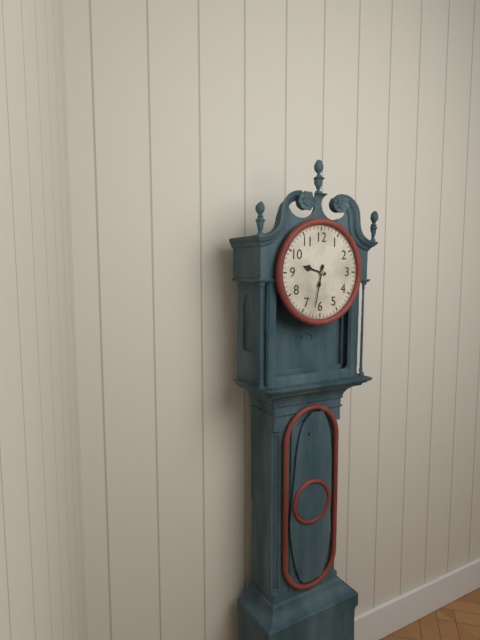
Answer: {"hour": 9, "minute": 32}
